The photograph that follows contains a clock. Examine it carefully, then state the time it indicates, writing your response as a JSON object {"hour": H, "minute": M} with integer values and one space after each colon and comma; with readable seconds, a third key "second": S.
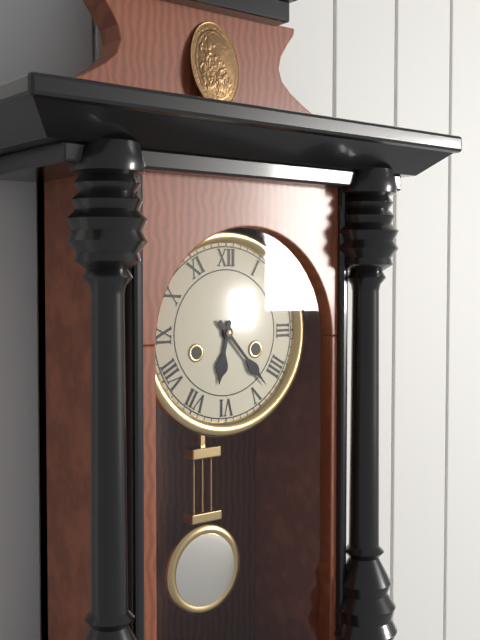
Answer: {"hour": 6, "minute": 23}
